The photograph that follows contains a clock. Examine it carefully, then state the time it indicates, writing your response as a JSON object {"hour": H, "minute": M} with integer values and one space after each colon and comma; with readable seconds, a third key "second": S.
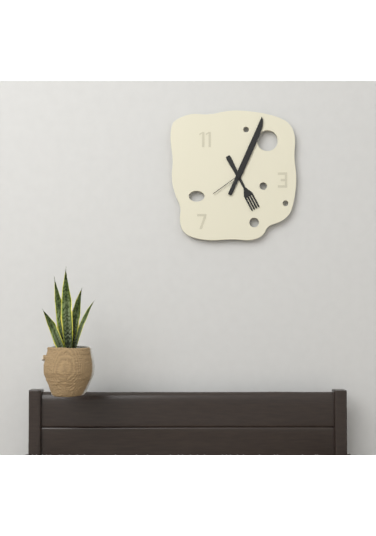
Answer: {"hour": 5, "minute": 4}
